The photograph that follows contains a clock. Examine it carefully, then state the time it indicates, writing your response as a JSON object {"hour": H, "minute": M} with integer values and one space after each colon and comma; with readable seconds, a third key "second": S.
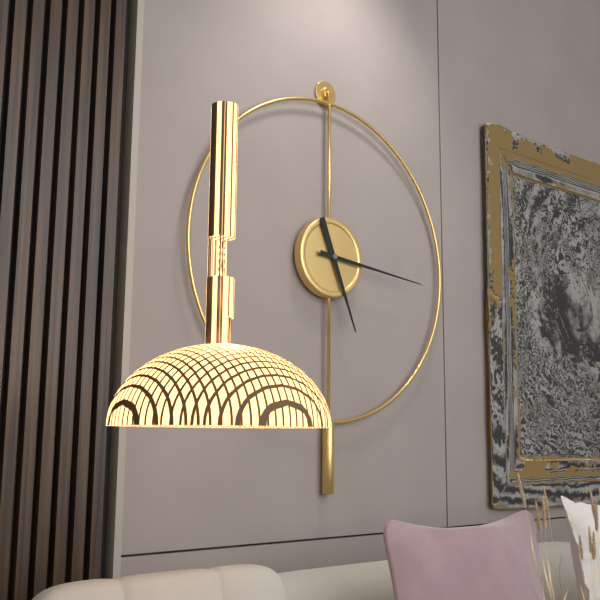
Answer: {"hour": 5, "minute": 16}
